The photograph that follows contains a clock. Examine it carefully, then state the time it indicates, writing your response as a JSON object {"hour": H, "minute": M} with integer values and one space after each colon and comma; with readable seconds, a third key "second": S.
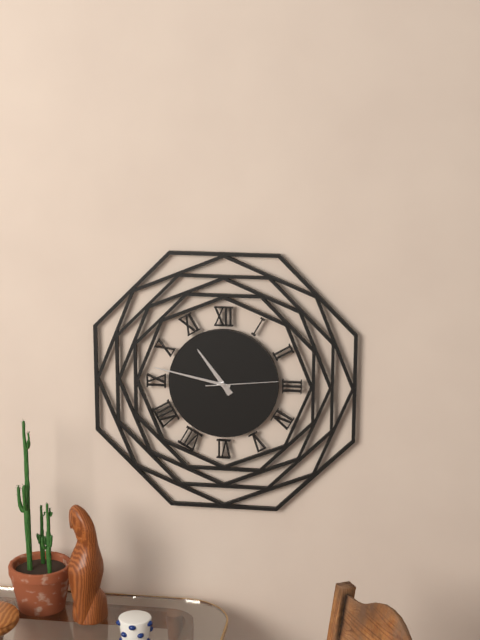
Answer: {"hour": 10, "minute": 47, "second": 14}
